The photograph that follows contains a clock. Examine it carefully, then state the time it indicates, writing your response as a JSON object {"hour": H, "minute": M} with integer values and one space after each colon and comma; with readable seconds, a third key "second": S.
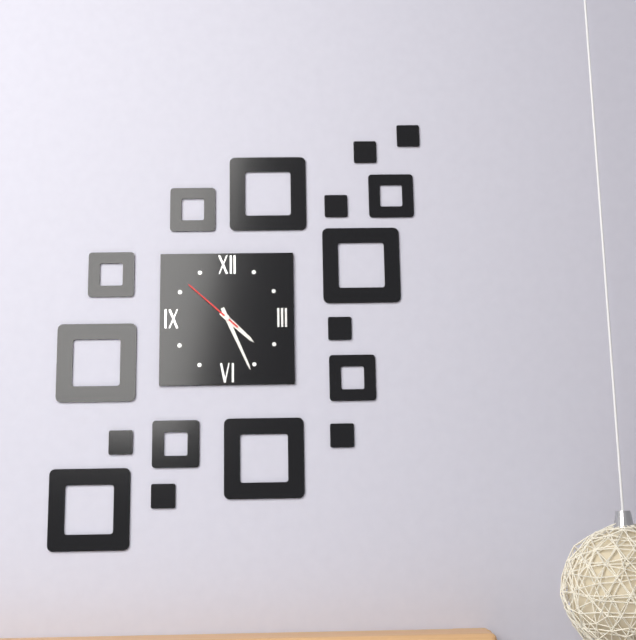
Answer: {"hour": 4, "minute": 26, "second": 52}
